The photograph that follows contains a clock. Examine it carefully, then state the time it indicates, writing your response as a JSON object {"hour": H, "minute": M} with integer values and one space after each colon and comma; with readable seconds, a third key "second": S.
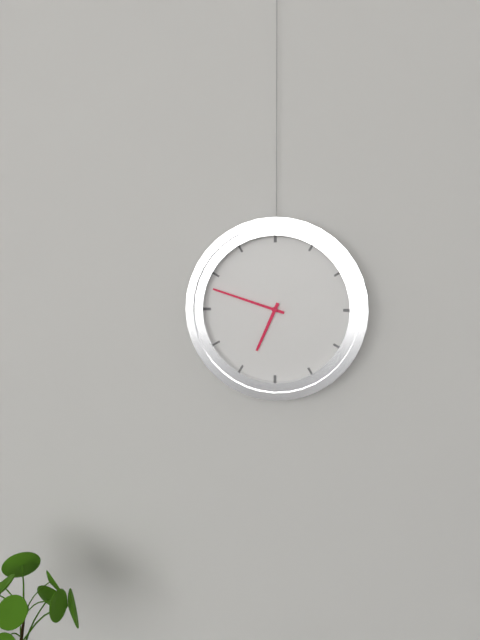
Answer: {"hour": 6, "minute": 48}
